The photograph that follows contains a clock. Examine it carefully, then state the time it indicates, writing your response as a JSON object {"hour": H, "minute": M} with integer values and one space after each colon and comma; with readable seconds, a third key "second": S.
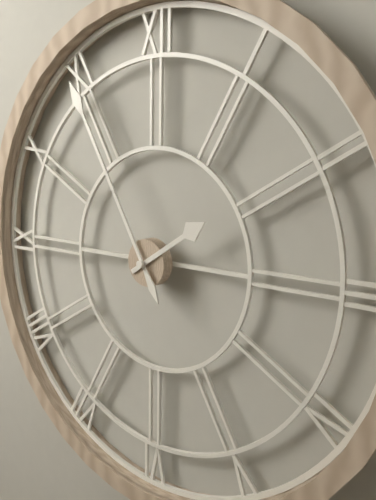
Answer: {"hour": 1, "minute": 55}
